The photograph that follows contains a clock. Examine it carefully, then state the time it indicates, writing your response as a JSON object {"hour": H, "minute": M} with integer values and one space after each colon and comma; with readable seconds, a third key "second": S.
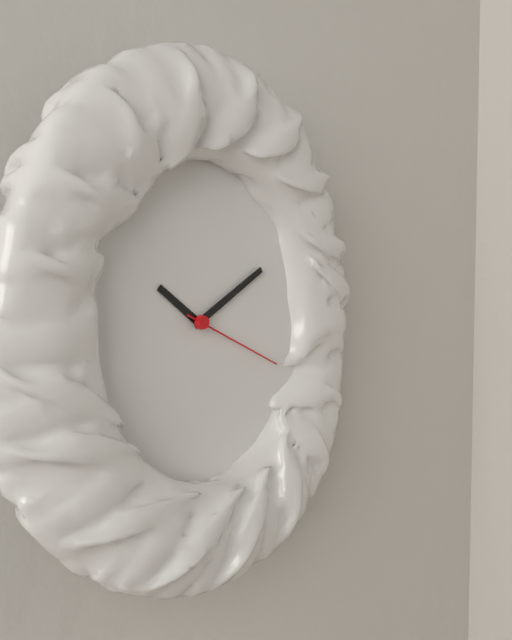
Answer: {"hour": 10, "minute": 10, "second": 19}
